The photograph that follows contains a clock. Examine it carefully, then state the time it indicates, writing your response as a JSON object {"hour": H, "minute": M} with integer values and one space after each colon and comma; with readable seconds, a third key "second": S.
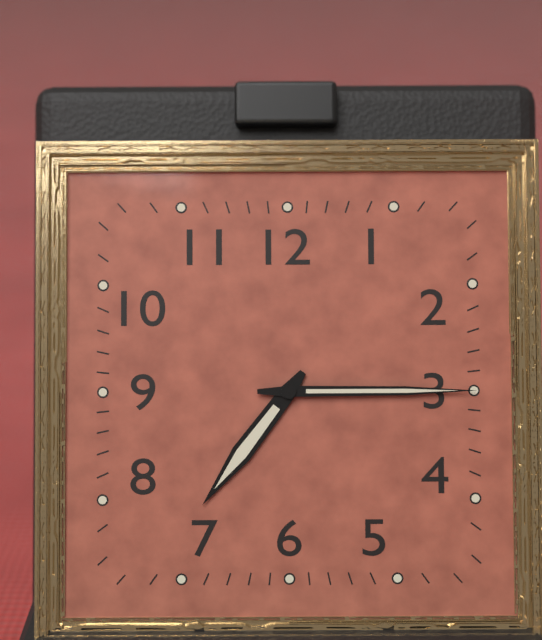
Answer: {"hour": 7, "minute": 15}
